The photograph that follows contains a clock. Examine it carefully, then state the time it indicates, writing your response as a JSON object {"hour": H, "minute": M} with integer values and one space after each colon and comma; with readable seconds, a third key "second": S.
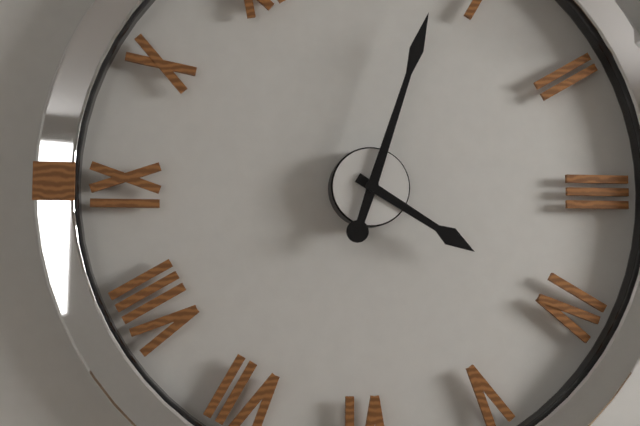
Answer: {"hour": 4, "minute": 3}
